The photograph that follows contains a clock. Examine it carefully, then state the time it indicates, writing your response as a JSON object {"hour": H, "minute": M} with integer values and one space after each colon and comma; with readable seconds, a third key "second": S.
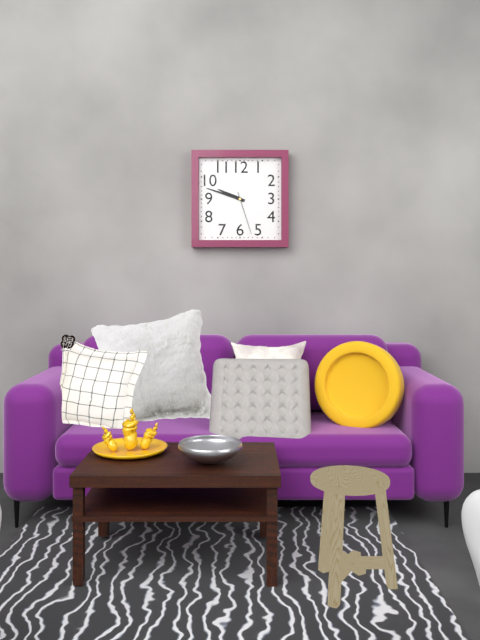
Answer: {"hour": 9, "minute": 48}
